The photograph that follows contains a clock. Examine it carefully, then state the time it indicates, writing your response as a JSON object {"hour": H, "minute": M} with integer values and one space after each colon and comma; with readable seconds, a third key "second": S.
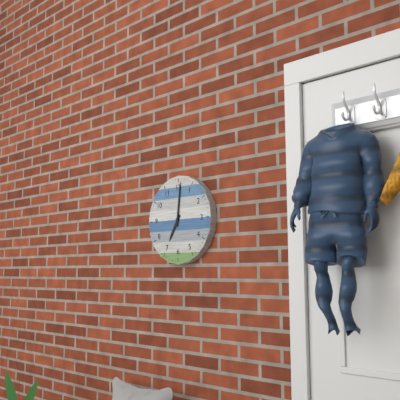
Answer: {"hour": 7, "minute": 1}
